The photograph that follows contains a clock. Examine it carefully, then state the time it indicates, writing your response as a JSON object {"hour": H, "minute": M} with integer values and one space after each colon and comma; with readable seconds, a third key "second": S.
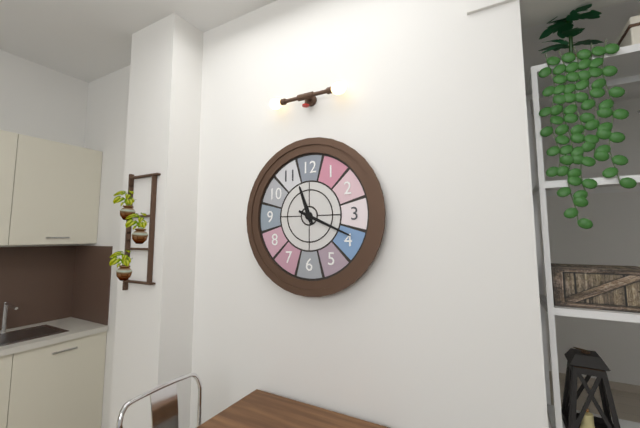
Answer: {"hour": 11, "minute": 19}
